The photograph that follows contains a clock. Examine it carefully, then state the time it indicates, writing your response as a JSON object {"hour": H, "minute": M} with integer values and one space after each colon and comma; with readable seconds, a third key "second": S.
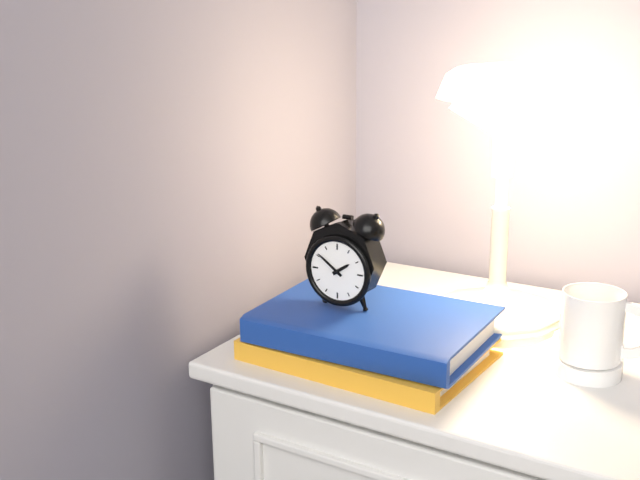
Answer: {"hour": 1, "minute": 51}
